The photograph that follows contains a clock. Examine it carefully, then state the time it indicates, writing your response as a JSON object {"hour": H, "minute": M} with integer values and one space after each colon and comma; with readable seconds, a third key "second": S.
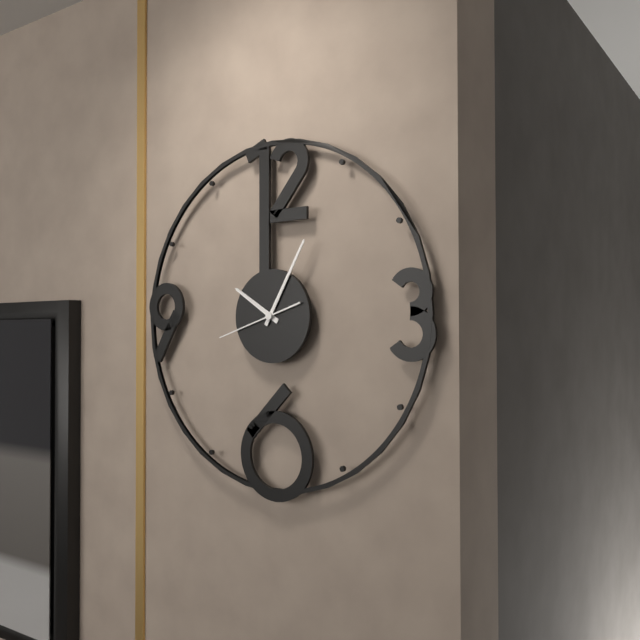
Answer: {"hour": 10, "minute": 5, "second": 42}
